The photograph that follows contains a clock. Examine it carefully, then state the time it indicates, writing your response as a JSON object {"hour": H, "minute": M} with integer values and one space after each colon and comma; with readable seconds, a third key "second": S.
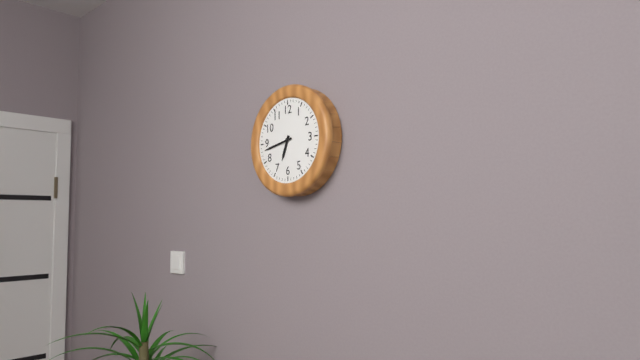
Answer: {"hour": 6, "minute": 43}
